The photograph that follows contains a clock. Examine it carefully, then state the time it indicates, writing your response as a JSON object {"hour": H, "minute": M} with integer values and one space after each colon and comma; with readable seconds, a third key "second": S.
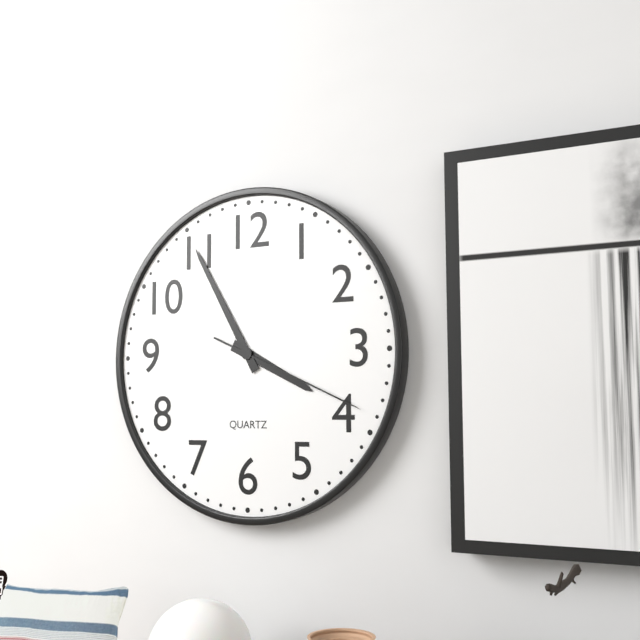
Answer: {"hour": 3, "minute": 55, "second": 19}
